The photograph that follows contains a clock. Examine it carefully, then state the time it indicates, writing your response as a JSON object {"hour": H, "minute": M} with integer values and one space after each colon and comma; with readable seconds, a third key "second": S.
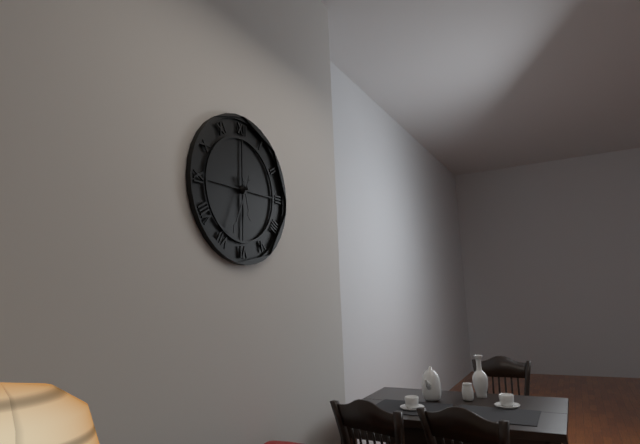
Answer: {"hour": 5, "minute": 34}
